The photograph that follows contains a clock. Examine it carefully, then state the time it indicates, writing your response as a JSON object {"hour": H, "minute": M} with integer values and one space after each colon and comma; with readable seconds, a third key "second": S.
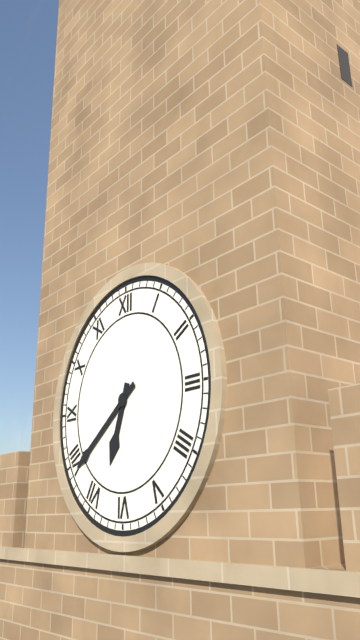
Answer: {"hour": 6, "minute": 39}
